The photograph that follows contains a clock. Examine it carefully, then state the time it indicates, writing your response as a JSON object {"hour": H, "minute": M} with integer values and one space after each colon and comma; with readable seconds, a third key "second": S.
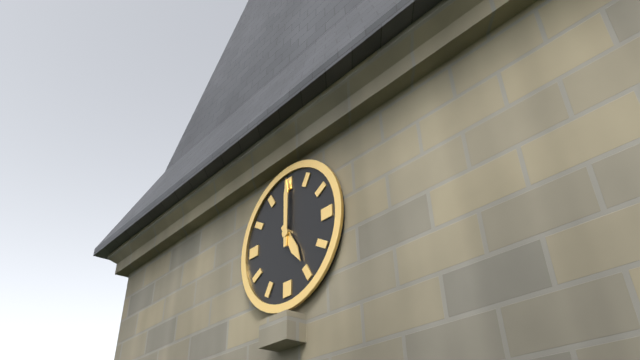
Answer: {"hour": 5, "minute": 0}
